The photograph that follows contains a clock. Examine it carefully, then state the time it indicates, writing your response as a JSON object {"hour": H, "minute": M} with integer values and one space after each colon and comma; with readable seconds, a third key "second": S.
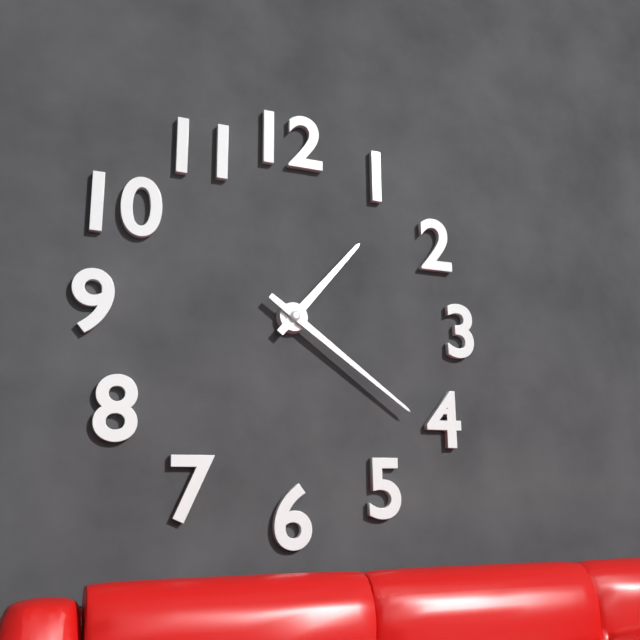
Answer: {"hour": 1, "minute": 21}
